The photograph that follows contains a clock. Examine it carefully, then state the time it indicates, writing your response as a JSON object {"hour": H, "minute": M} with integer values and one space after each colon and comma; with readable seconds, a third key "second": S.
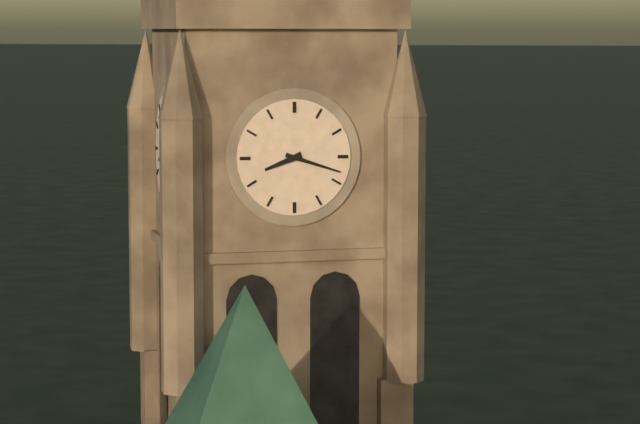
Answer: {"hour": 8, "minute": 18}
